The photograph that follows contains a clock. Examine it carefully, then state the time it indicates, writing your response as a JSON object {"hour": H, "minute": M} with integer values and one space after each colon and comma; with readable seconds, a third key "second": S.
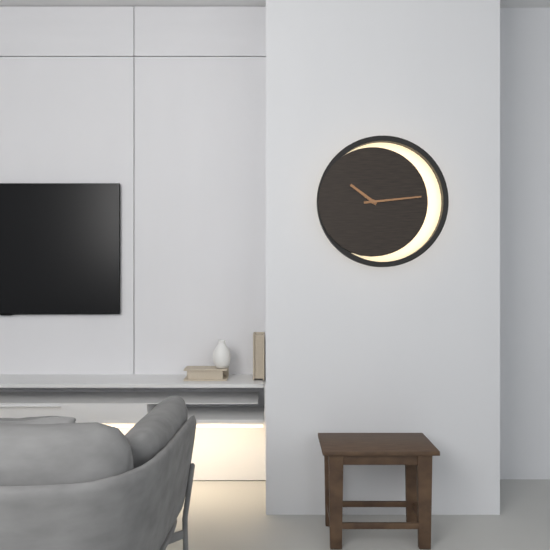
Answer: {"hour": 10, "minute": 14}
